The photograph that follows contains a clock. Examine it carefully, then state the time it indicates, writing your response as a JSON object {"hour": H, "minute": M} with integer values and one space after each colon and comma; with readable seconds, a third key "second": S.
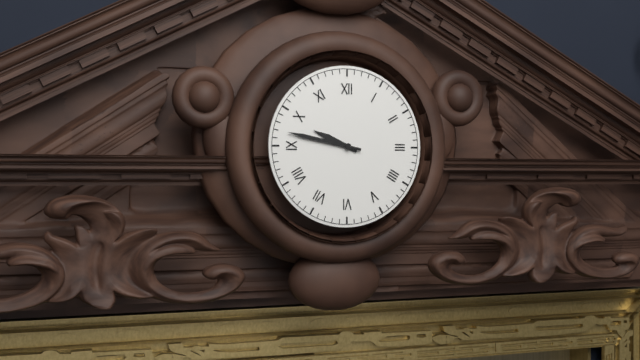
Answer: {"hour": 9, "minute": 47}
